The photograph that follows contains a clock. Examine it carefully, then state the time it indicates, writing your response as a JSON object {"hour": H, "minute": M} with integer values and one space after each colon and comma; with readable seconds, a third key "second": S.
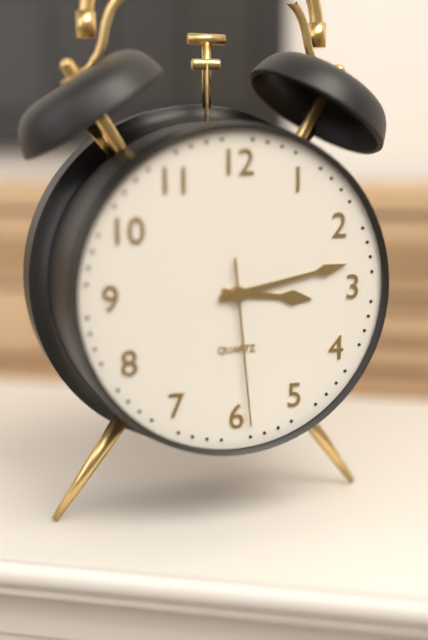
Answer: {"hour": 3, "minute": 13, "second": 29}
